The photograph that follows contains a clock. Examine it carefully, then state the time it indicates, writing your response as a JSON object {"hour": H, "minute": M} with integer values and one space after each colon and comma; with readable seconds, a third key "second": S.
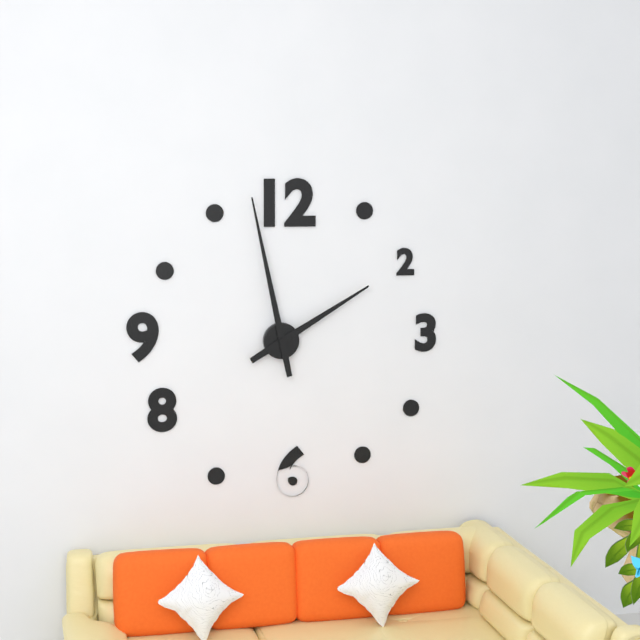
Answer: {"hour": 1, "minute": 58}
